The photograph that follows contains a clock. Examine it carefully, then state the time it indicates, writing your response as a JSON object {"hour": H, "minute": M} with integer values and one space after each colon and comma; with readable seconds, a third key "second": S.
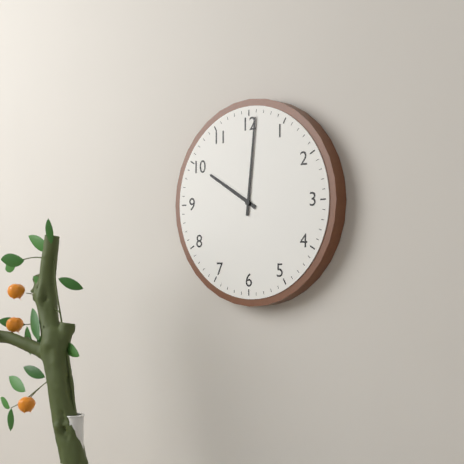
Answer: {"hour": 10, "minute": 1}
